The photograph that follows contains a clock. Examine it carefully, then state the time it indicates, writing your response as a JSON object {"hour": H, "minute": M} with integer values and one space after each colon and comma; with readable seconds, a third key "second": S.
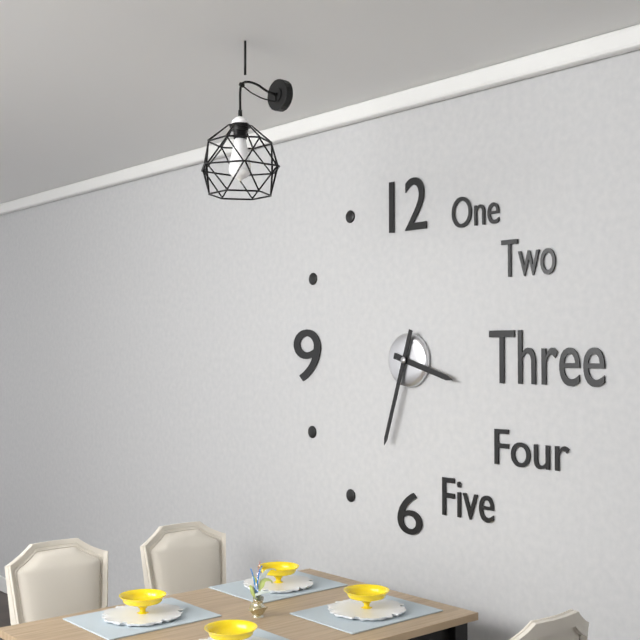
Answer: {"hour": 3, "minute": 33}
